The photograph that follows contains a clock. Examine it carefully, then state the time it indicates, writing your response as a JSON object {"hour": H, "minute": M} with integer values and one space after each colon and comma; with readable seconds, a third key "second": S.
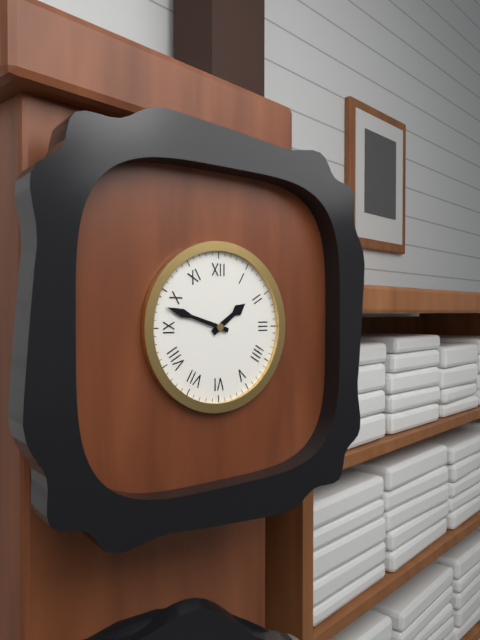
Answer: {"hour": 1, "minute": 48}
